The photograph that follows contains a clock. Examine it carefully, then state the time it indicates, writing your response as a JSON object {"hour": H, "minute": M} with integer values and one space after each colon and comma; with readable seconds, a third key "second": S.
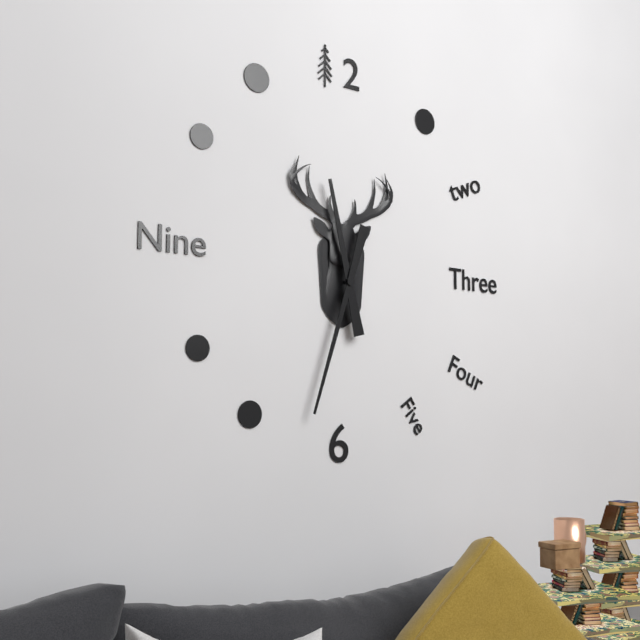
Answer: {"hour": 11, "minute": 33}
